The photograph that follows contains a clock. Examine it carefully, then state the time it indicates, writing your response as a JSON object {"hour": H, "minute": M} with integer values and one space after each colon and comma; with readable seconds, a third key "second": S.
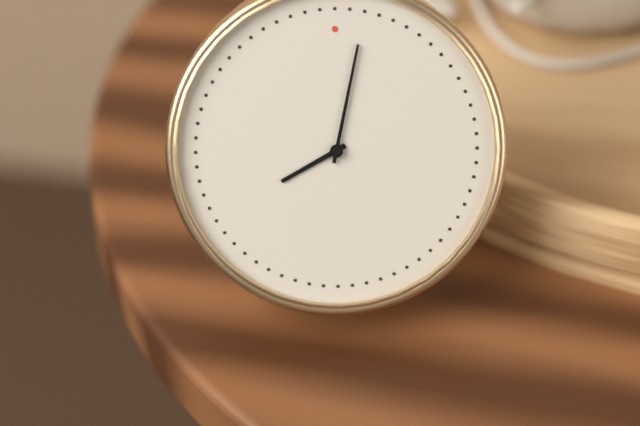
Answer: {"hour": 8, "minute": 2}
